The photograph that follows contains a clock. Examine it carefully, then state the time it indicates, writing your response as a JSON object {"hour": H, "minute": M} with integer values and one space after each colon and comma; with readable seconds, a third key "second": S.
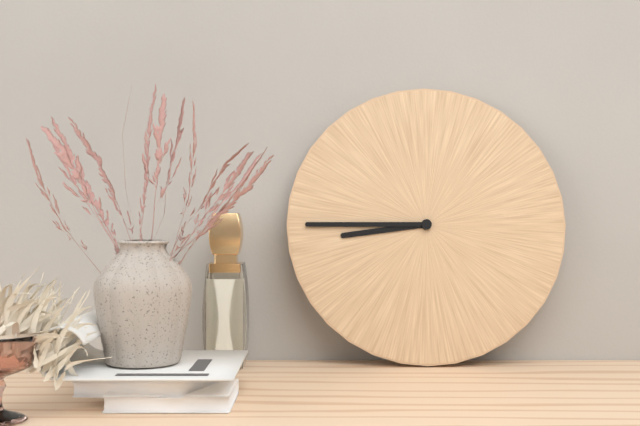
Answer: {"hour": 8, "minute": 45}
